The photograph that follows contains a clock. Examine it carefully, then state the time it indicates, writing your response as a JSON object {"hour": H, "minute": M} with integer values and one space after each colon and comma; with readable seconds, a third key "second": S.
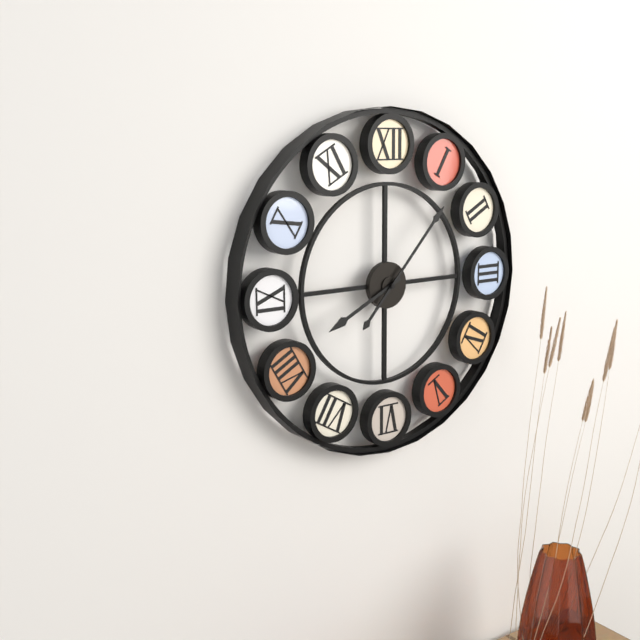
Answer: {"hour": 8, "minute": 7}
